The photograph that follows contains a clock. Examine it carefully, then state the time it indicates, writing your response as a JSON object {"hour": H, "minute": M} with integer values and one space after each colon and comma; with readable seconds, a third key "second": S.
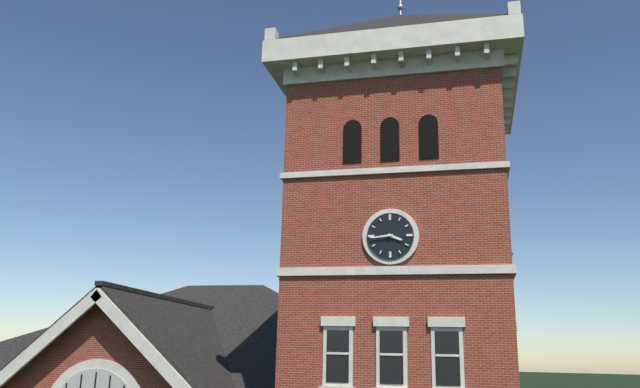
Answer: {"hour": 3, "minute": 44}
